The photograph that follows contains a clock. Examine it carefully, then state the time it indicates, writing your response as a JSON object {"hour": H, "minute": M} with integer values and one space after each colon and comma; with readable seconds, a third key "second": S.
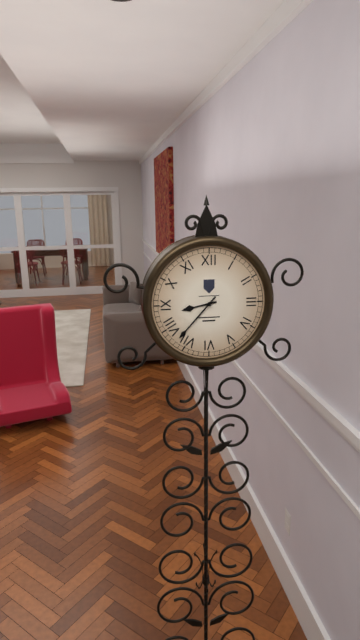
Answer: {"hour": 8, "minute": 37}
